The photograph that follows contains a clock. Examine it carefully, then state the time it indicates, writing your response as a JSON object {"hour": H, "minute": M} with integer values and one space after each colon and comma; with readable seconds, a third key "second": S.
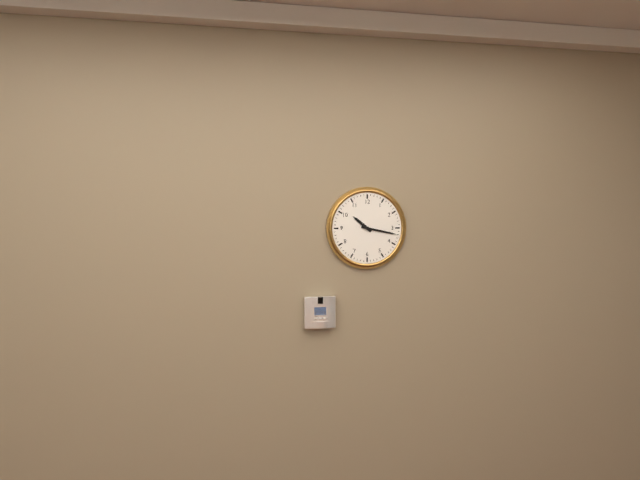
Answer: {"hour": 10, "minute": 17}
